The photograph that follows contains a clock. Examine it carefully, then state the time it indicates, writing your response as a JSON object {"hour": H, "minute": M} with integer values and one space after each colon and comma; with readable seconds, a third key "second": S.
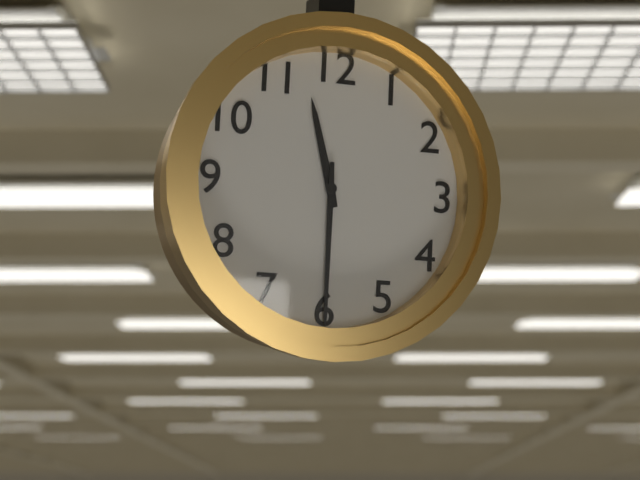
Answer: {"hour": 11, "minute": 30}
